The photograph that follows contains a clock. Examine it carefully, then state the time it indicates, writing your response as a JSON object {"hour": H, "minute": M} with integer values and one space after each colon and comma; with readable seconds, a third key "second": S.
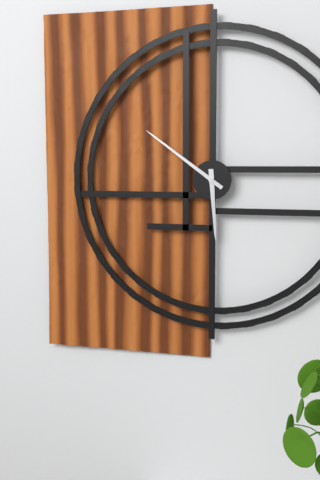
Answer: {"hour": 5, "minute": 51}
